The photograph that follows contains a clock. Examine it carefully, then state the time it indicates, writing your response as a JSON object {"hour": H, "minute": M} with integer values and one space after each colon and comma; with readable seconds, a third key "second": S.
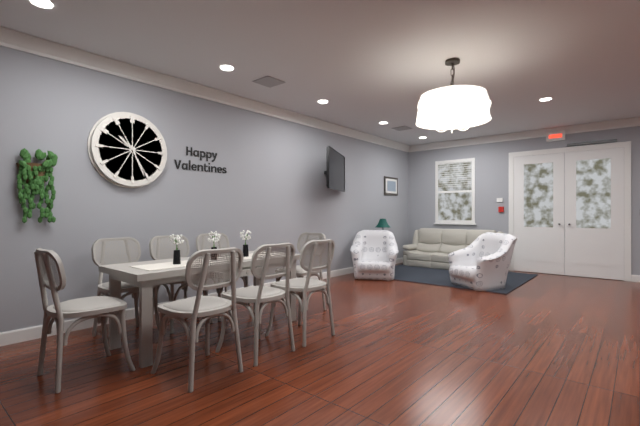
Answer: {"hour": 10, "minute": 26}
